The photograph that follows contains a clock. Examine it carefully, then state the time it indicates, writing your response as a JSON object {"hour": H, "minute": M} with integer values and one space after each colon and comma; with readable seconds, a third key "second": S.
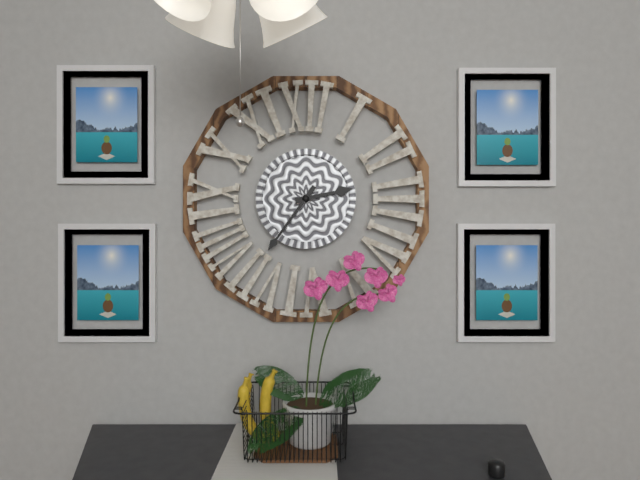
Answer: {"hour": 2, "minute": 36}
